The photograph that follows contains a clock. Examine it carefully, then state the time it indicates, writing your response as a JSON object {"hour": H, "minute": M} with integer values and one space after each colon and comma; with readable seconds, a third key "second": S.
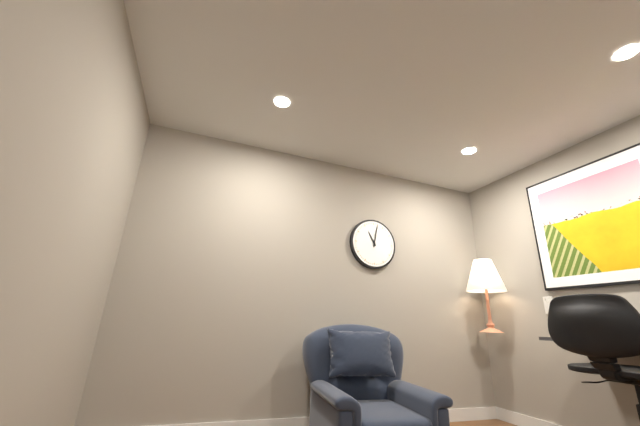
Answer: {"hour": 11, "minute": 2}
